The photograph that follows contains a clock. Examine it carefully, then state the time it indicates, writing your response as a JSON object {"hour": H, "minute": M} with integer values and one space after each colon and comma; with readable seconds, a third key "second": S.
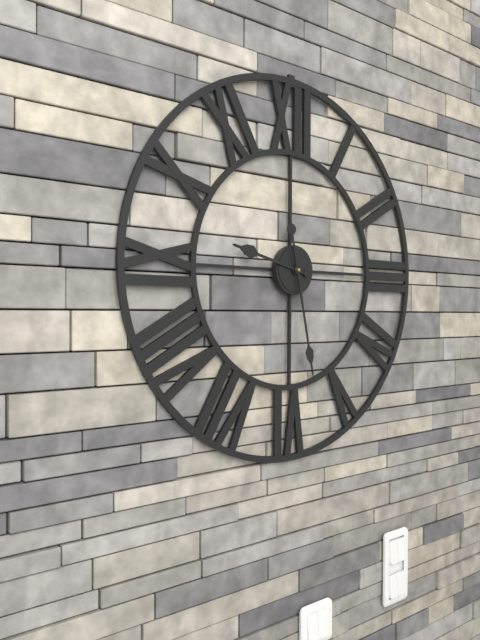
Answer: {"hour": 9, "minute": 28}
